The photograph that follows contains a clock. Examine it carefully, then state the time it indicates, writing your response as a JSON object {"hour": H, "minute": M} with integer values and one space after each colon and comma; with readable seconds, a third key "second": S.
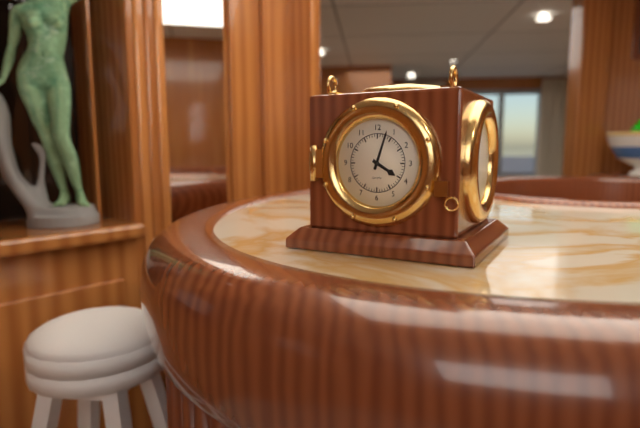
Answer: {"hour": 4, "minute": 3}
